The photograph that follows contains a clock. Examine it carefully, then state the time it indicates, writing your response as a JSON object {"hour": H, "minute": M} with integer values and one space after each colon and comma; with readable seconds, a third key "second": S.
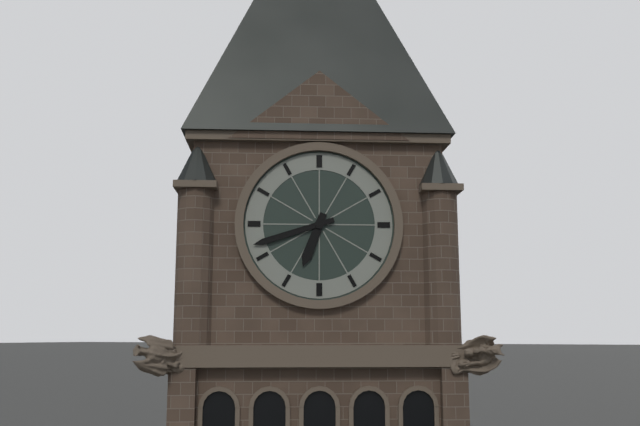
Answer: {"hour": 6, "minute": 42}
